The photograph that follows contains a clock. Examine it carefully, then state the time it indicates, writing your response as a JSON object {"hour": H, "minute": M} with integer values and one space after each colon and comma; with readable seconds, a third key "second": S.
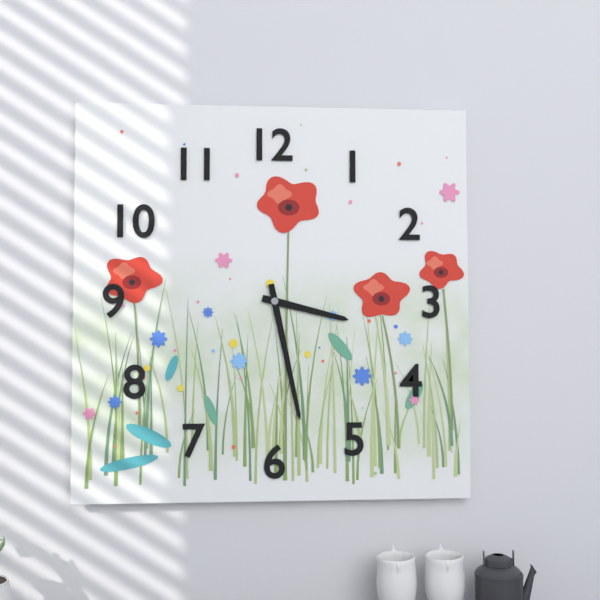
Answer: {"hour": 3, "minute": 28}
